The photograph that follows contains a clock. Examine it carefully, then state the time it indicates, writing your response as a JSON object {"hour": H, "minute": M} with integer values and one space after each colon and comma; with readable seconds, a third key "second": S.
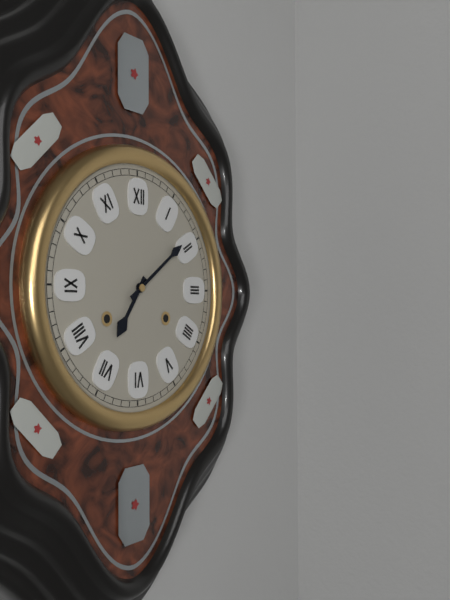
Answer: {"hour": 7, "minute": 9}
